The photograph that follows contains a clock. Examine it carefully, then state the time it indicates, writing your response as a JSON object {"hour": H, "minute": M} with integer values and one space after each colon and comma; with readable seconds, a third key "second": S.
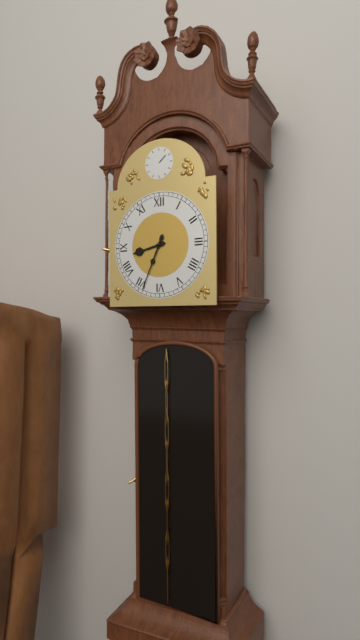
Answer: {"hour": 8, "minute": 34}
